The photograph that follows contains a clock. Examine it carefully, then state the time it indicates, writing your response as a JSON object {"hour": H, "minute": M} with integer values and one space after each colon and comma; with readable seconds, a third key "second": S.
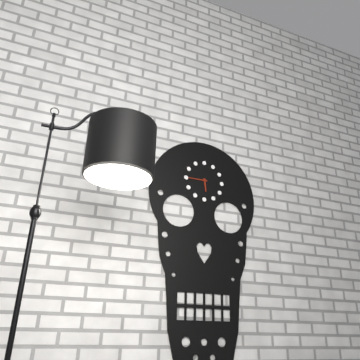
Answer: {"hour": 5, "minute": 45}
